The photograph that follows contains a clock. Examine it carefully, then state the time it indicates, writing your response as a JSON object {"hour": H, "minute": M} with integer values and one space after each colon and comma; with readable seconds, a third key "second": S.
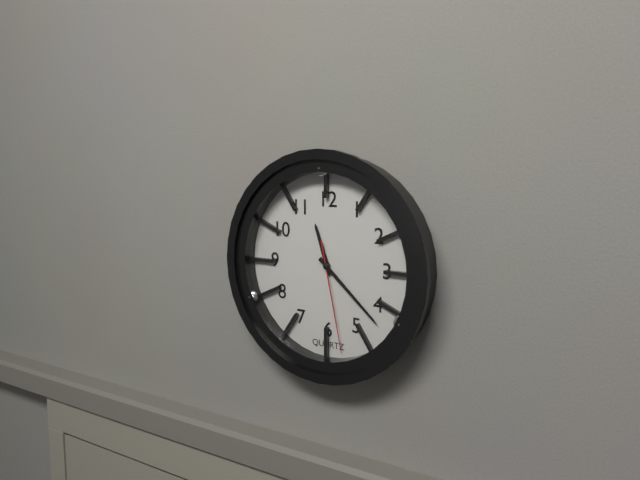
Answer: {"hour": 11, "minute": 22, "second": 28}
